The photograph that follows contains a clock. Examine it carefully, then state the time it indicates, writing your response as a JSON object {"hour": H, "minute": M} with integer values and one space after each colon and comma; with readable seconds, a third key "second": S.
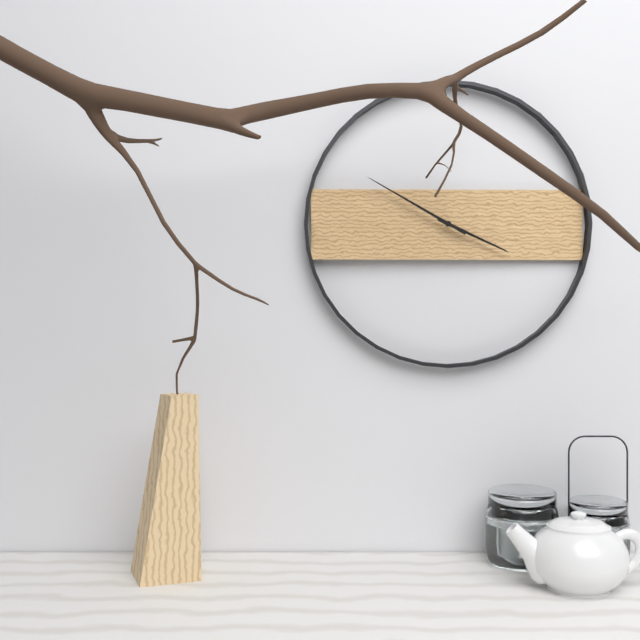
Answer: {"hour": 3, "minute": 50}
